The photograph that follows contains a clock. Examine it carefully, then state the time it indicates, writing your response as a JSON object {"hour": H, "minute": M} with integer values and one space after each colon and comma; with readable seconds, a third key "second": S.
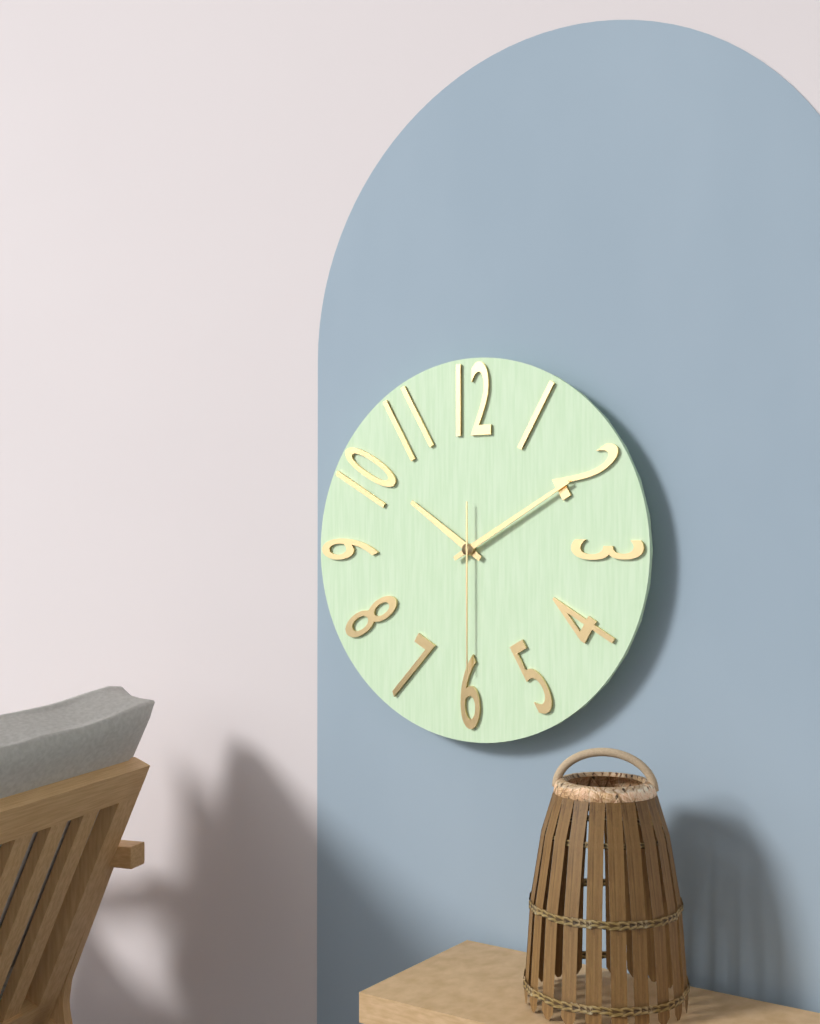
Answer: {"hour": 10, "minute": 10, "second": 30}
